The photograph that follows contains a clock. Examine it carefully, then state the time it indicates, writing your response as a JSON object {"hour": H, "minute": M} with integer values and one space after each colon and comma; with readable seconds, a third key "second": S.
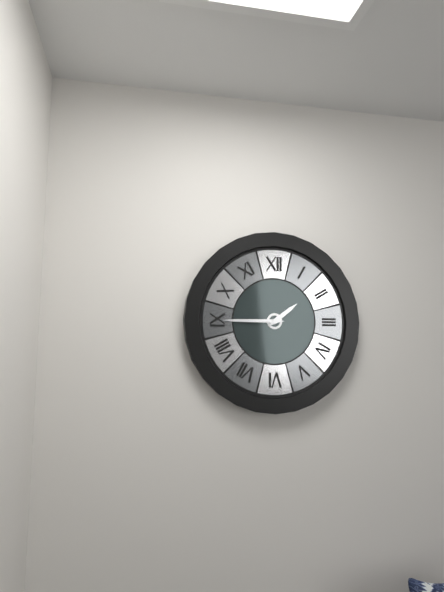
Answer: {"hour": 1, "minute": 45}
